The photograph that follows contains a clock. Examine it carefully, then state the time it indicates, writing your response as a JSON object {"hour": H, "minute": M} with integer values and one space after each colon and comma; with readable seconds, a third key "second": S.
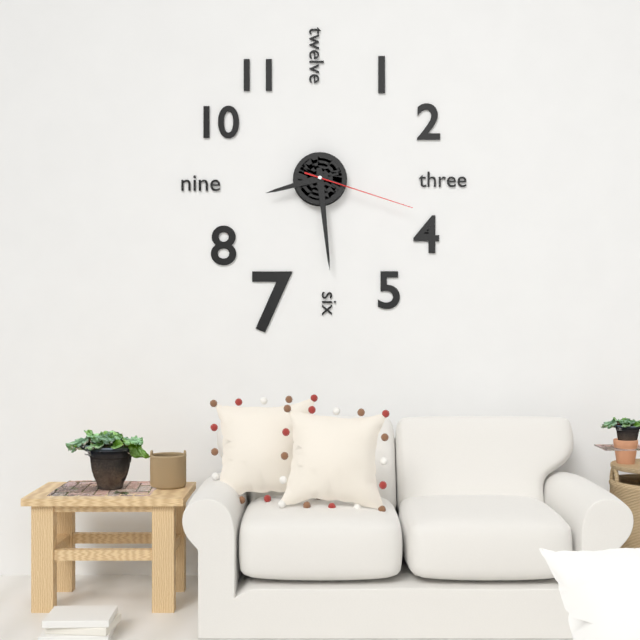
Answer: {"hour": 8, "minute": 29, "second": 18}
